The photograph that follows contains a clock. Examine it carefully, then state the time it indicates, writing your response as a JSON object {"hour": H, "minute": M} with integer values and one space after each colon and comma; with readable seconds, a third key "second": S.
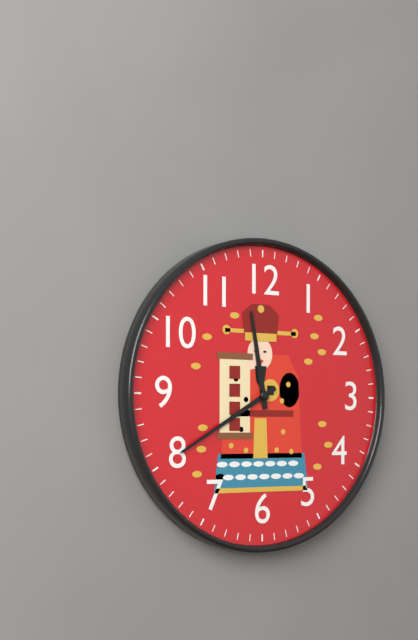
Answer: {"hour": 11, "minute": 40}
